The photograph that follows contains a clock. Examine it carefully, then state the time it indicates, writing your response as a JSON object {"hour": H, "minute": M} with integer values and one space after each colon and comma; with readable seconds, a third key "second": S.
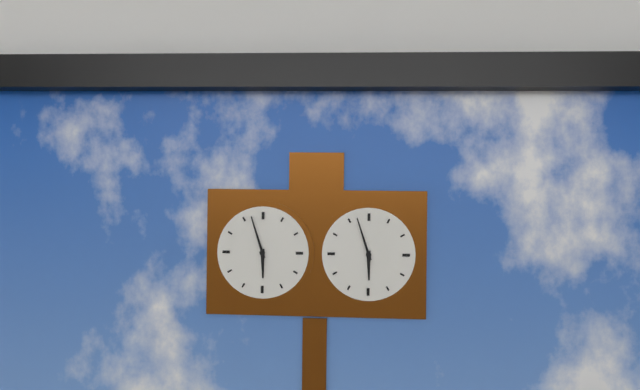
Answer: {"hour": 5, "minute": 57}
